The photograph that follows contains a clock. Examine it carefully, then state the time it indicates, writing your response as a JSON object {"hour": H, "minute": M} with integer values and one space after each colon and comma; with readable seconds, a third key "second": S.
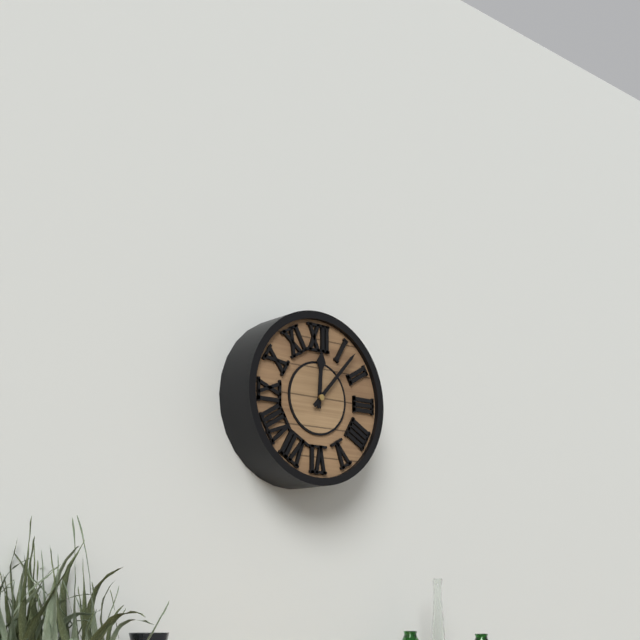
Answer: {"hour": 12, "minute": 7}
